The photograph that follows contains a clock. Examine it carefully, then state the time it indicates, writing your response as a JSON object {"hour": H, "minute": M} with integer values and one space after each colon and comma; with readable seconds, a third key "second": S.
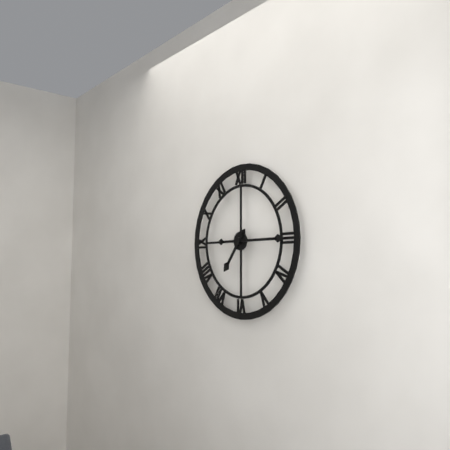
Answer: {"hour": 7, "minute": 15}
